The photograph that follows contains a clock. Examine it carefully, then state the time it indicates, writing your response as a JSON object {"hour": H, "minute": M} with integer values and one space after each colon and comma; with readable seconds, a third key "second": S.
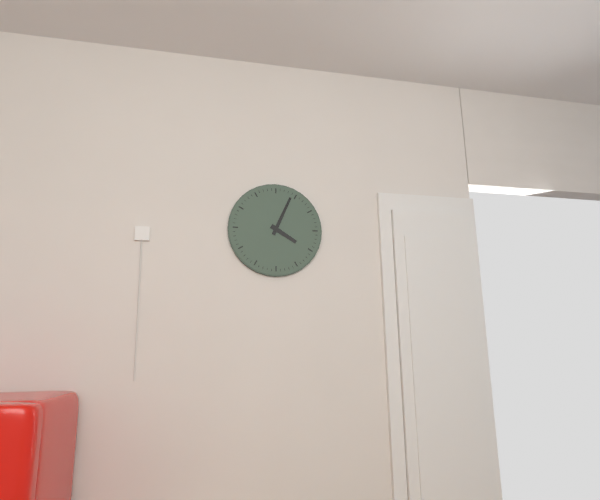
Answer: {"hour": 4, "minute": 4}
